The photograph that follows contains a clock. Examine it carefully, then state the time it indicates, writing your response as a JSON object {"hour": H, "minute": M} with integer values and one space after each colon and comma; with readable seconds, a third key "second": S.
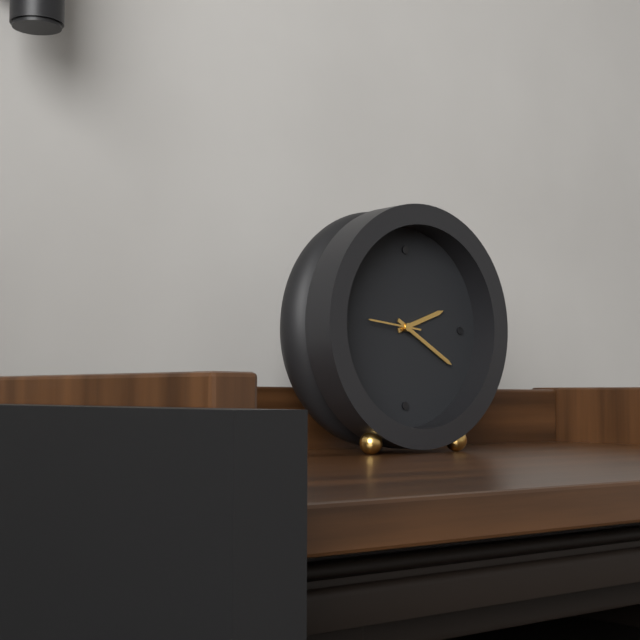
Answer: {"hour": 2, "minute": 20, "second": 46}
